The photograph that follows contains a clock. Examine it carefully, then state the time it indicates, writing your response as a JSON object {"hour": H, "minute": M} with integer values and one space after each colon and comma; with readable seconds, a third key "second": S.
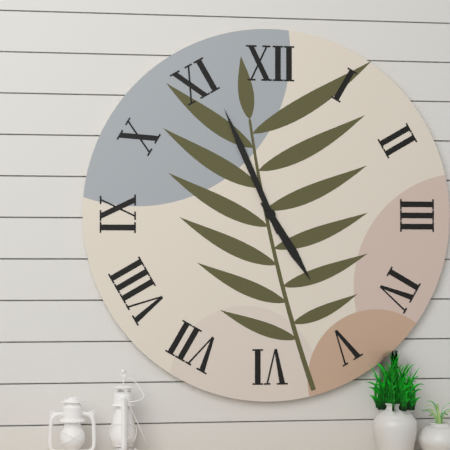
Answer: {"hour": 4, "minute": 56}
